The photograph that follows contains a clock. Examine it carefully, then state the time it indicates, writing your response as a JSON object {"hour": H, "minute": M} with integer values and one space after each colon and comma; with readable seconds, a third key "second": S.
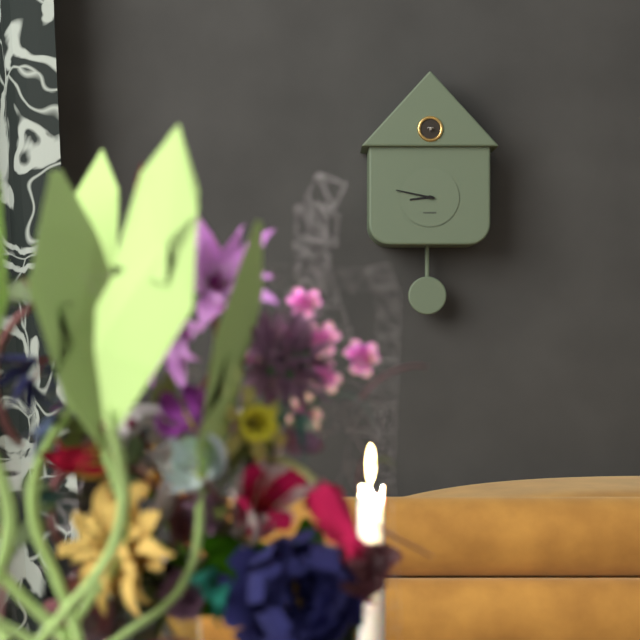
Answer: {"hour": 8, "minute": 47}
